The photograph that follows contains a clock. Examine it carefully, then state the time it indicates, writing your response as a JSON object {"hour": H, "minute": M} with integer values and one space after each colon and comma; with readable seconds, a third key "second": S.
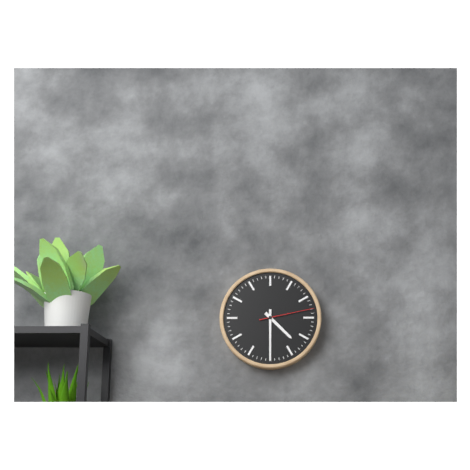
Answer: {"hour": 4, "minute": 30, "second": 13}
